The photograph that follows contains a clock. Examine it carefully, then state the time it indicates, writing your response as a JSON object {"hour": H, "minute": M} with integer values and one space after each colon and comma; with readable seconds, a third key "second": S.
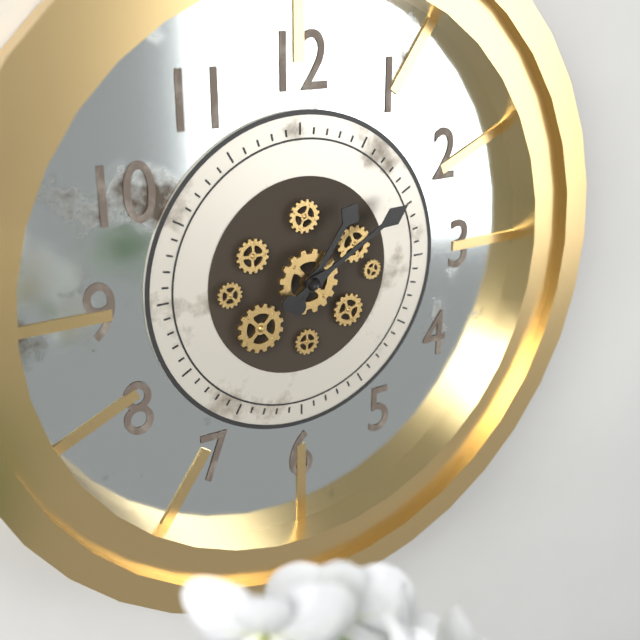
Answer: {"hour": 1, "minute": 10}
